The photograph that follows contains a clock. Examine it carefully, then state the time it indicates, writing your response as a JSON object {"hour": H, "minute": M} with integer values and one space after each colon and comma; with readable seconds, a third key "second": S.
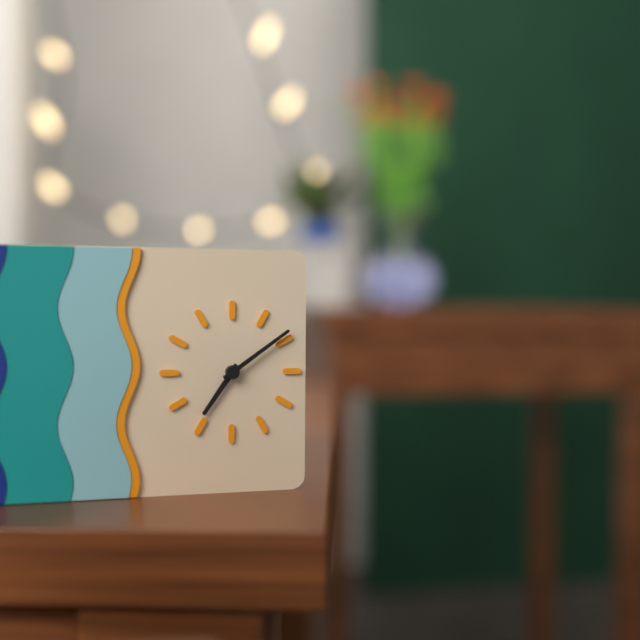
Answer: {"hour": 7, "minute": 9}
